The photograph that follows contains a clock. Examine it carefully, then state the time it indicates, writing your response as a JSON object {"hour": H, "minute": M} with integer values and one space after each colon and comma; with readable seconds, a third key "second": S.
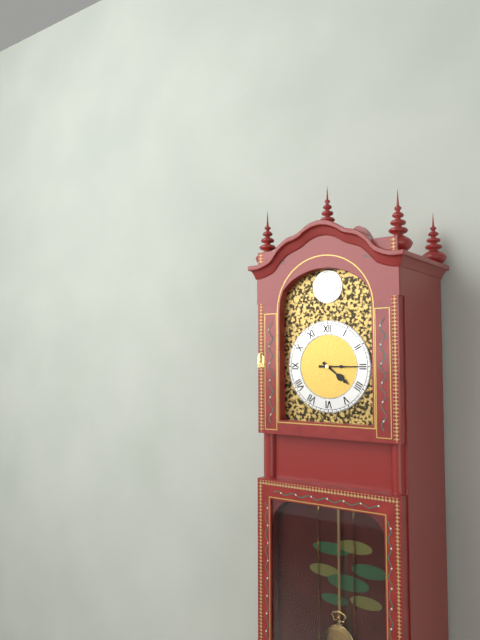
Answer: {"hour": 4, "minute": 15}
